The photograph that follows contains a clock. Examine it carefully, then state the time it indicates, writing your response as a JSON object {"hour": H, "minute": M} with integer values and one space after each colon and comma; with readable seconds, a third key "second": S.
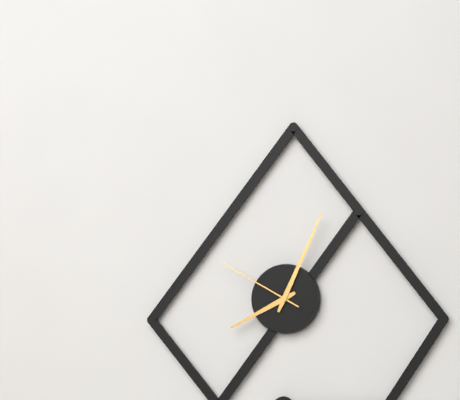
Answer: {"hour": 8, "minute": 4, "second": 50}
